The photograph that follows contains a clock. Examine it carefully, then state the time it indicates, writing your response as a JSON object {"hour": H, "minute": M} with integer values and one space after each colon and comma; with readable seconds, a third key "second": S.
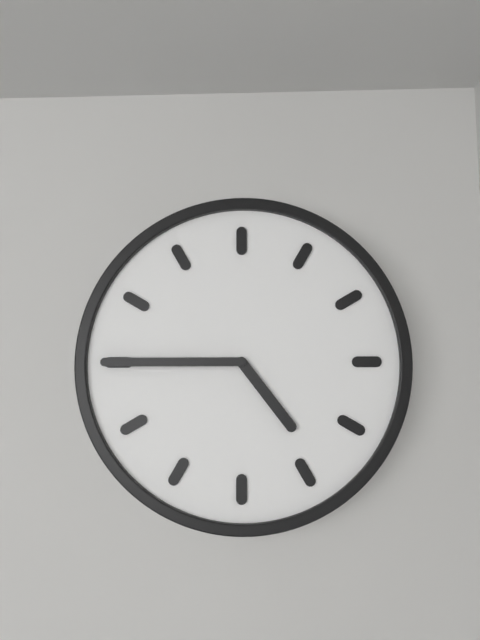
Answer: {"hour": 4, "minute": 45}
